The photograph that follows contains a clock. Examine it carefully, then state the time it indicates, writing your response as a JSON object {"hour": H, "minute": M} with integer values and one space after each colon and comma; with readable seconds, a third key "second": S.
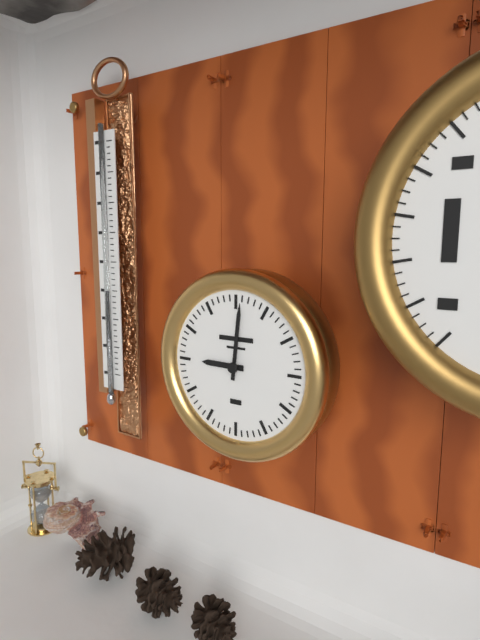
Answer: {"hour": 9, "minute": 1}
